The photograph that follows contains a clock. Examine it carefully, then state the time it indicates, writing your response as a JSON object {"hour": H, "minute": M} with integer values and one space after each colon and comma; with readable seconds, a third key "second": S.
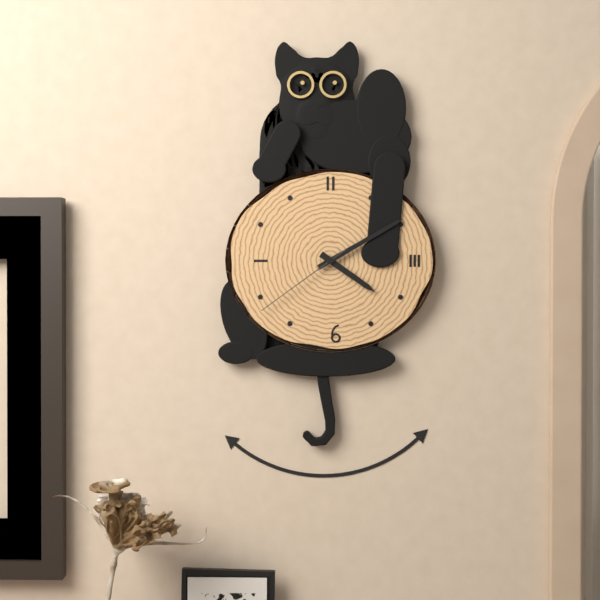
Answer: {"hour": 4, "minute": 10, "second": 39}
